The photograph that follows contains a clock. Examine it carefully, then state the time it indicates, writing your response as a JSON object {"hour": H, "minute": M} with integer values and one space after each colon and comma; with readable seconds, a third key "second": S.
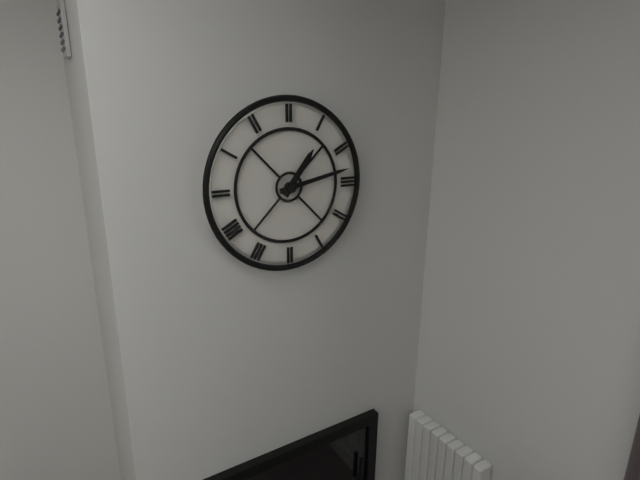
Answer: {"hour": 1, "minute": 13}
